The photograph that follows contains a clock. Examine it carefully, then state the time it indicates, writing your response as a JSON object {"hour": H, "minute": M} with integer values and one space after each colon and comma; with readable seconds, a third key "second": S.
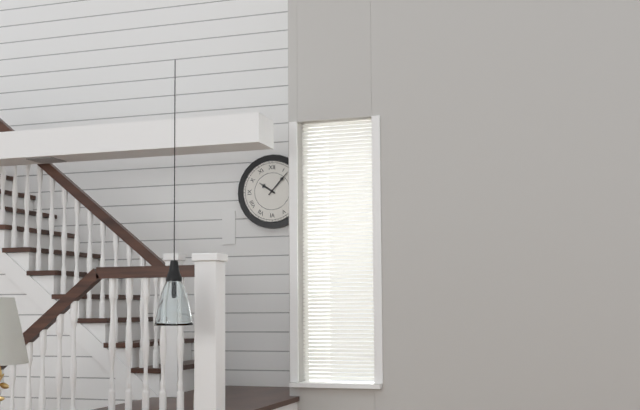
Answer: {"hour": 10, "minute": 7}
